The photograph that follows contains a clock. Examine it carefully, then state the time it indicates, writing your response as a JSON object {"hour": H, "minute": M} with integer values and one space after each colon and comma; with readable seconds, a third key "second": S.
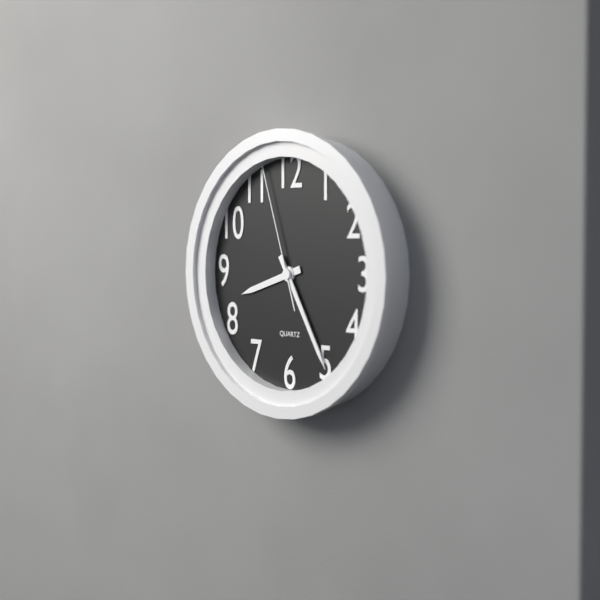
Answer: {"hour": 8, "minute": 25, "second": 57}
